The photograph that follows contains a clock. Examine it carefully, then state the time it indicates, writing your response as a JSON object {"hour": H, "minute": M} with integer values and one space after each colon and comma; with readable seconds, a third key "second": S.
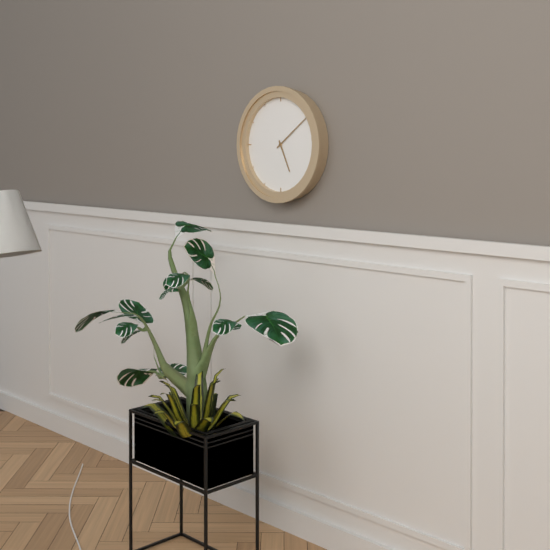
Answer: {"hour": 5, "minute": 9}
